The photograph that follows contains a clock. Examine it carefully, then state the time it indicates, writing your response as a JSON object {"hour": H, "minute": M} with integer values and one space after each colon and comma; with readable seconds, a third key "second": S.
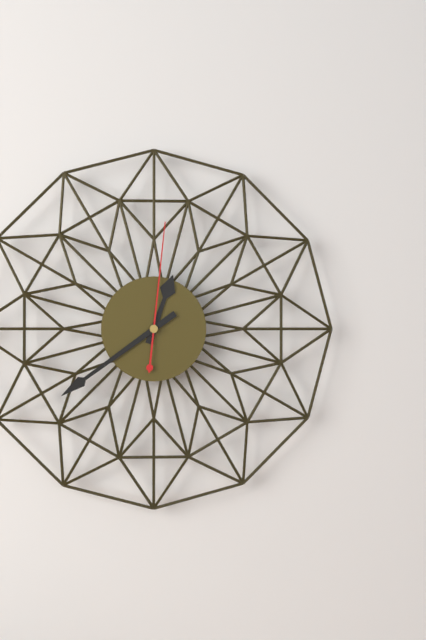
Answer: {"hour": 12, "minute": 39, "second": 1}
